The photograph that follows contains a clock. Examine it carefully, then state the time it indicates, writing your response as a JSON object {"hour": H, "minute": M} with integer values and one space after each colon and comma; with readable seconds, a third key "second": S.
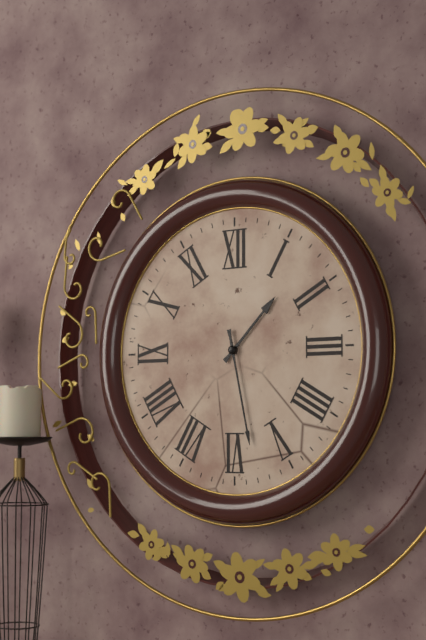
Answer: {"hour": 1, "minute": 28}
